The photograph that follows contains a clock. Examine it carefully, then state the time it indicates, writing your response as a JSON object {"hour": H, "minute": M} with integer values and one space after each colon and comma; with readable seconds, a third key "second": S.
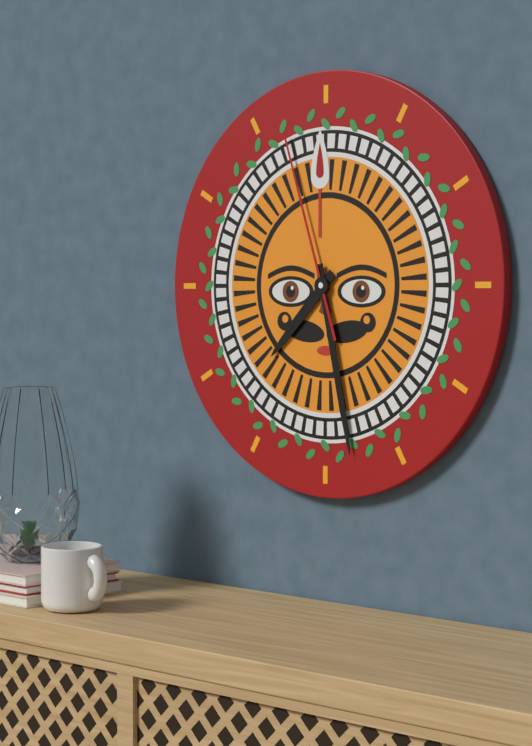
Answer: {"hour": 7, "minute": 28, "second": 57}
